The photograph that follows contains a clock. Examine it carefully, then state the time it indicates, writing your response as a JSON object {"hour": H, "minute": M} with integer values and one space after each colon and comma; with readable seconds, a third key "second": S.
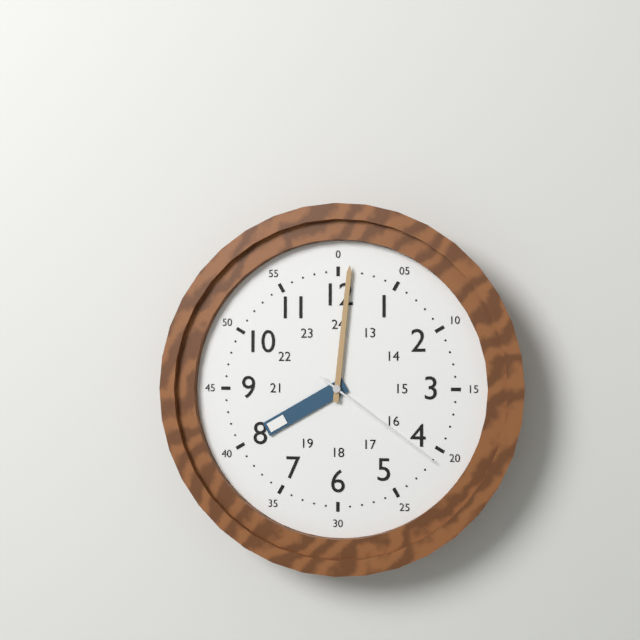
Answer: {"hour": 8, "minute": 1, "second": 21}
